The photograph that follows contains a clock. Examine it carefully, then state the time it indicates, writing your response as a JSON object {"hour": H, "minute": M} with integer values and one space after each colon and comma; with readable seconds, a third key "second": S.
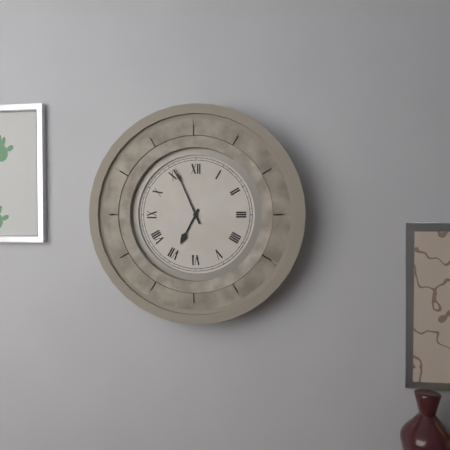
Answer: {"hour": 6, "minute": 56}
